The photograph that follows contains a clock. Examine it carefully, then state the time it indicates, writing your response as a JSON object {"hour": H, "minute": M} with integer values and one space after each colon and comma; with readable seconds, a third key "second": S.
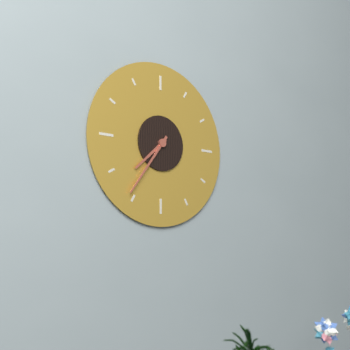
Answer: {"hour": 7, "minute": 36}
